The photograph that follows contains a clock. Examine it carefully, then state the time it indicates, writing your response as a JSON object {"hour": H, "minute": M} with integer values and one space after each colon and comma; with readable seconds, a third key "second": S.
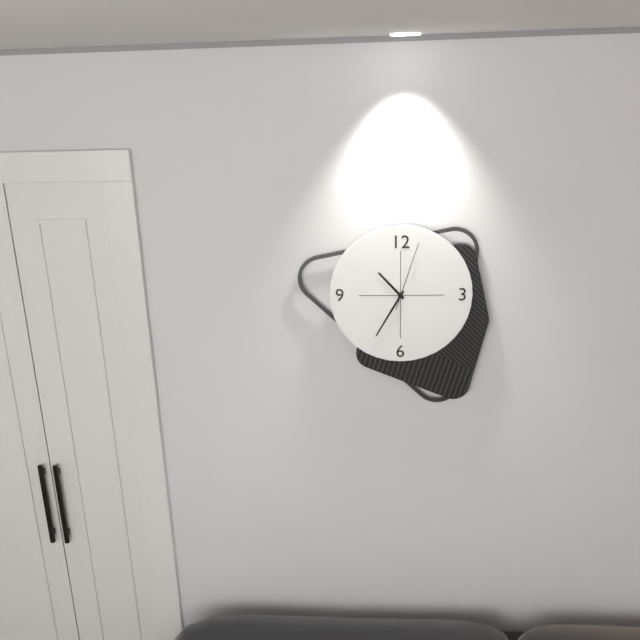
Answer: {"hour": 10, "minute": 35, "second": 3}
